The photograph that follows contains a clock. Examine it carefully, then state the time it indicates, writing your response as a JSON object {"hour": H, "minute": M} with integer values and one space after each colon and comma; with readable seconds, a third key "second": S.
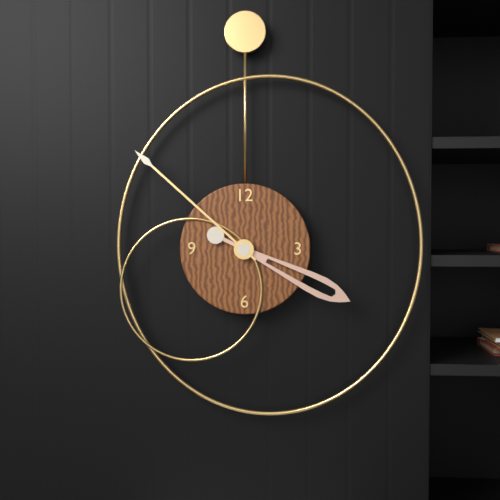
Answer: {"hour": 3, "minute": 52}
